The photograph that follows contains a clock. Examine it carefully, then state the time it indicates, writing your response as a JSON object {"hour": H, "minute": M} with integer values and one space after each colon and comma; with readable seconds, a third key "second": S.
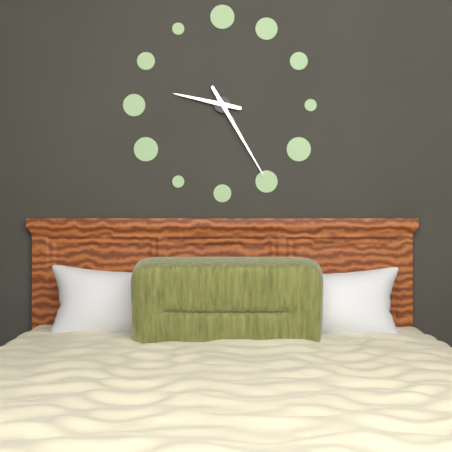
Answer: {"hour": 9, "minute": 25}
